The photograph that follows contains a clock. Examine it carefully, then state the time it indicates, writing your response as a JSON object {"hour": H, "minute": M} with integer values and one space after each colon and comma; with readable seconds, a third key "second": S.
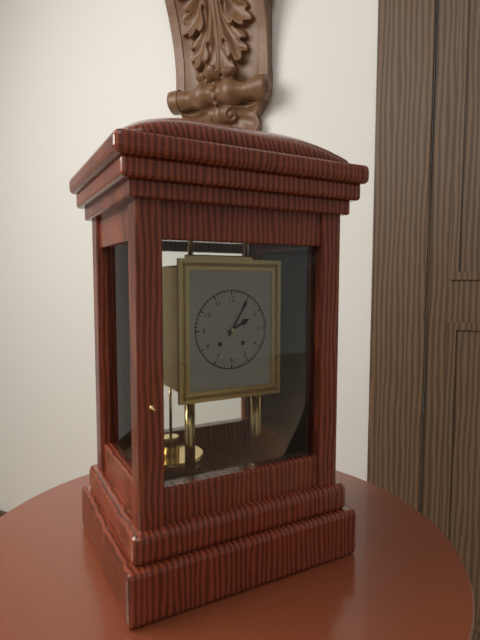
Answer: {"hour": 2, "minute": 5}
